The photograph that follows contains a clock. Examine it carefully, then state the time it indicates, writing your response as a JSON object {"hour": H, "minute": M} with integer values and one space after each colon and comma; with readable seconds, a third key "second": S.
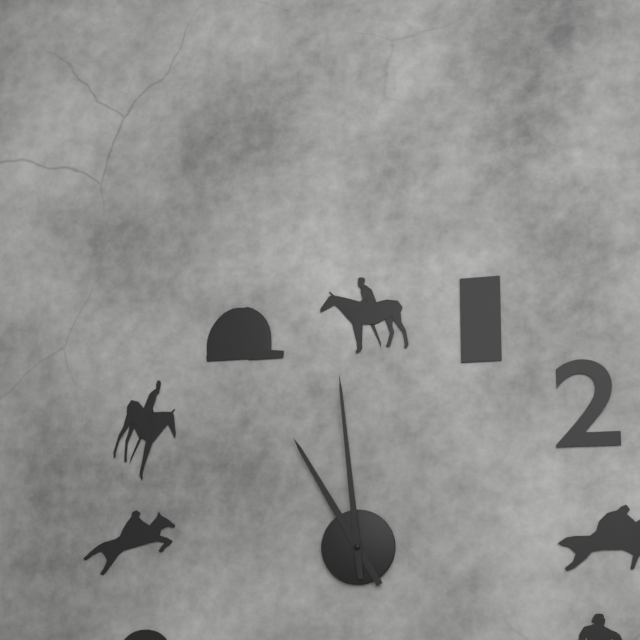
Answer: {"hour": 10, "minute": 59}
